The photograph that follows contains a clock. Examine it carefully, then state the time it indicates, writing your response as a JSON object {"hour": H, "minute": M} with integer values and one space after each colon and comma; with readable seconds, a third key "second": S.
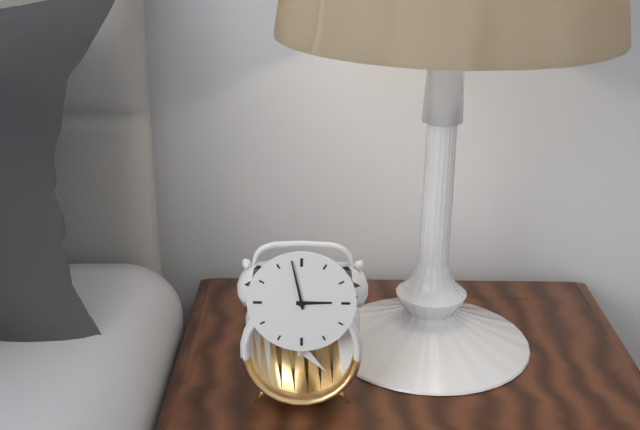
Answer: {"hour": 2, "minute": 58}
